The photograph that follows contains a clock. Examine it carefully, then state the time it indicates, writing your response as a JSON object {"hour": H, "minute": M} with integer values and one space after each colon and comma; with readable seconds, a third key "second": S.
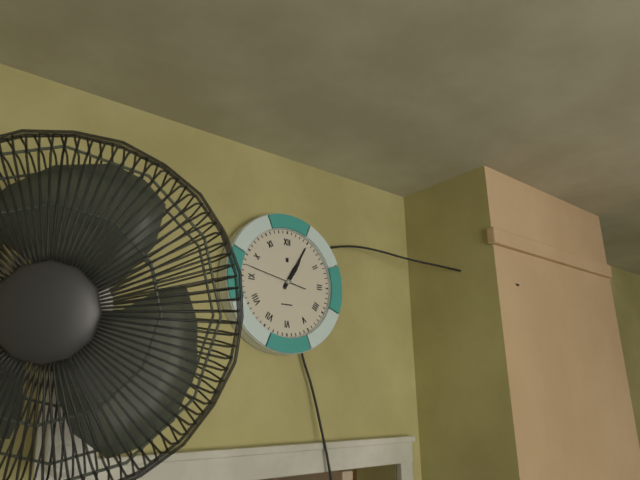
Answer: {"hour": 1, "minute": 5, "second": 47}
